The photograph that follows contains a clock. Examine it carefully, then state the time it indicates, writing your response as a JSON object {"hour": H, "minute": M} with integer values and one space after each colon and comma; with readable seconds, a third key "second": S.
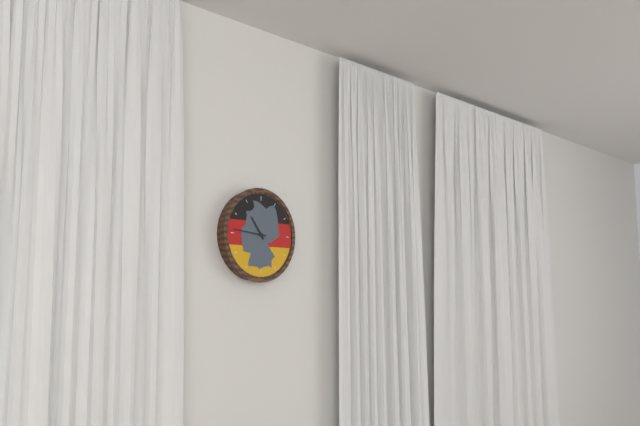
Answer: {"hour": 10, "minute": 46}
